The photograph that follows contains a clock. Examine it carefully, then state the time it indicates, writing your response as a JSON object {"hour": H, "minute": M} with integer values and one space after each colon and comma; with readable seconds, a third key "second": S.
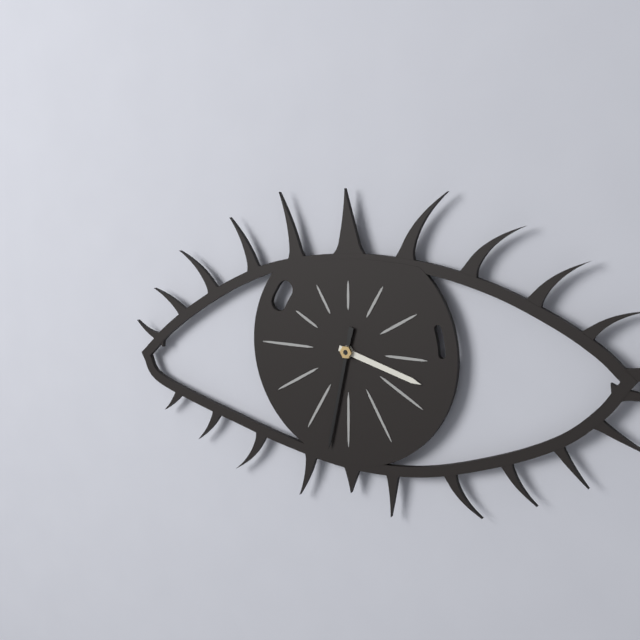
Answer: {"hour": 3, "minute": 32}
